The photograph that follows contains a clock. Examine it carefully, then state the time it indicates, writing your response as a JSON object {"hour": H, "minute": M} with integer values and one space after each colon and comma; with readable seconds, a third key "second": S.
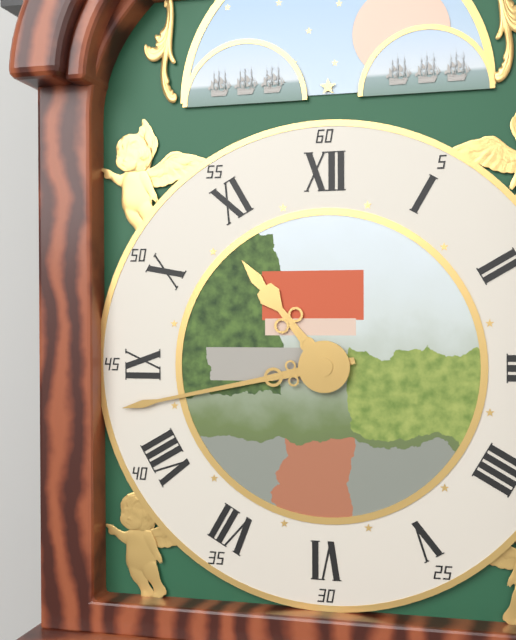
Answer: {"hour": 10, "minute": 43}
